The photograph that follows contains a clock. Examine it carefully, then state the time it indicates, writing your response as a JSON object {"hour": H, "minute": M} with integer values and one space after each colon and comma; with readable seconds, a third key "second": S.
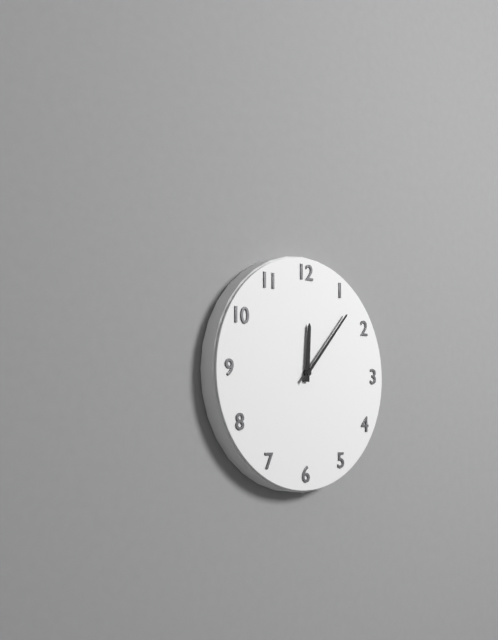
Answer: {"hour": 12, "minute": 7}
